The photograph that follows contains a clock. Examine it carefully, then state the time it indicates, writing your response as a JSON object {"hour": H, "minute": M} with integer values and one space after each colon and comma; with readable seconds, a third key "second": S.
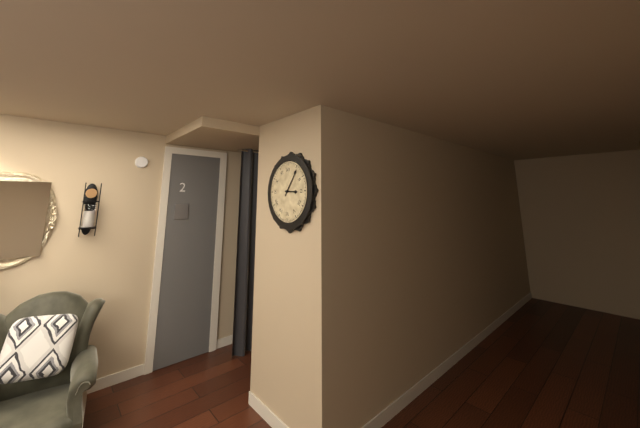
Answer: {"hour": 3, "minute": 6}
